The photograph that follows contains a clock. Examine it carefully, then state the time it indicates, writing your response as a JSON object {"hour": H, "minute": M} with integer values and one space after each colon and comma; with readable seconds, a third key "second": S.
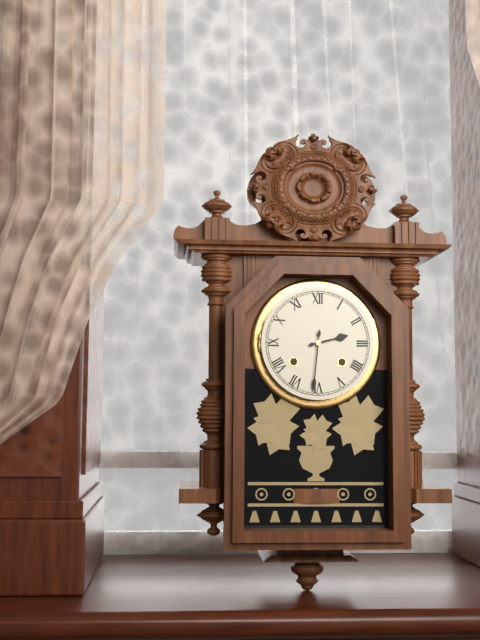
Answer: {"hour": 2, "minute": 31}
